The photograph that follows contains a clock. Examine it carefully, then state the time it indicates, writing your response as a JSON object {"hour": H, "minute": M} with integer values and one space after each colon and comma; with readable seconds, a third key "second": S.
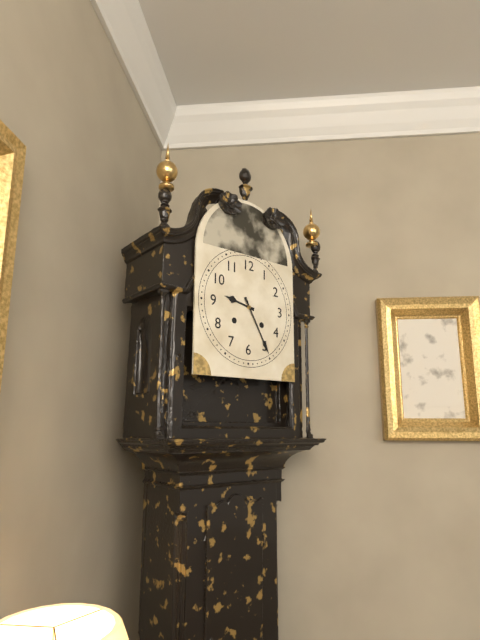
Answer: {"hour": 9, "minute": 25}
